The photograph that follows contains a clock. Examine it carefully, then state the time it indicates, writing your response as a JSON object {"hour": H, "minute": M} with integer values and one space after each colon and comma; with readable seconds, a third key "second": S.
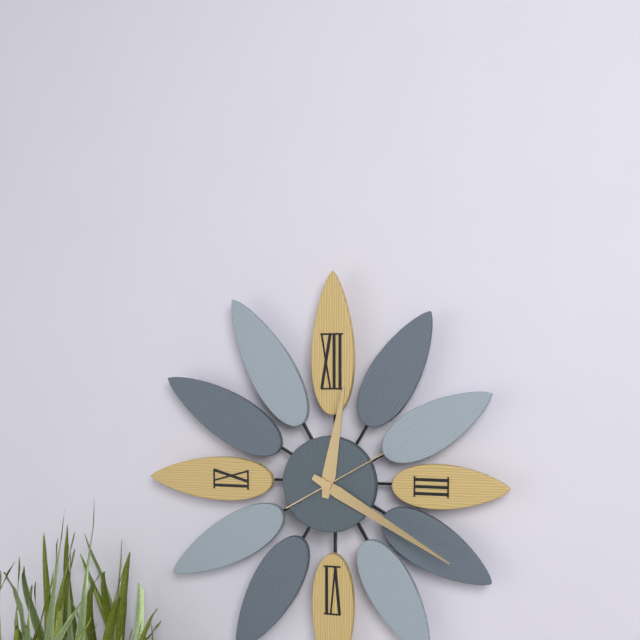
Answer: {"hour": 12, "minute": 20, "second": 10}
